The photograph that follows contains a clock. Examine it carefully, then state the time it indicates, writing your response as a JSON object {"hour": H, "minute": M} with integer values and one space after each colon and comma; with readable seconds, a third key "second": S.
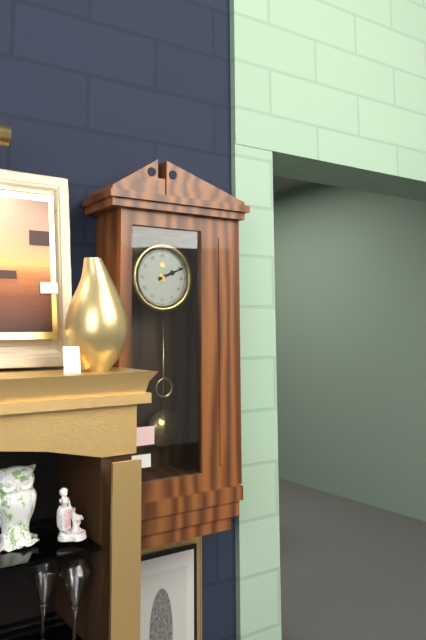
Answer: {"hour": 2, "minute": 11}
